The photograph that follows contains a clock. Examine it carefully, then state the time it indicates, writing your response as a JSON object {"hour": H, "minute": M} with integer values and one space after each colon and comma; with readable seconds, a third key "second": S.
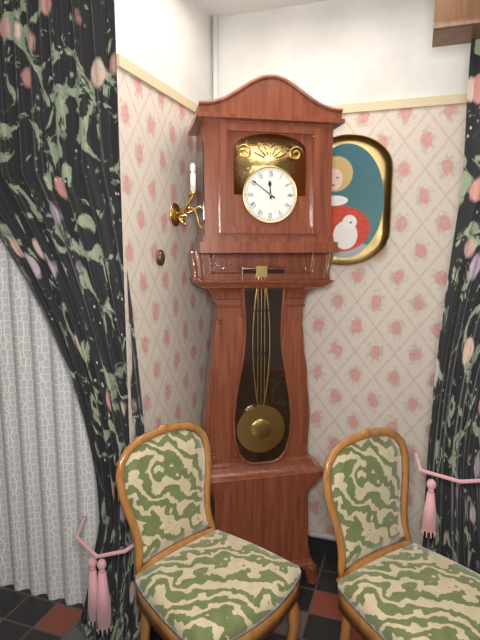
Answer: {"hour": 11, "minute": 51}
